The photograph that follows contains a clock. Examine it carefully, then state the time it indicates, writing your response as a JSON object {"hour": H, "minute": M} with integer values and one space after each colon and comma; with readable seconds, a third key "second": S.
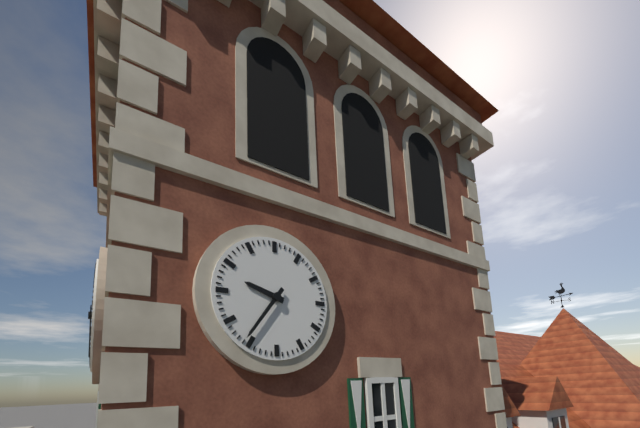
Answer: {"hour": 9, "minute": 36}
